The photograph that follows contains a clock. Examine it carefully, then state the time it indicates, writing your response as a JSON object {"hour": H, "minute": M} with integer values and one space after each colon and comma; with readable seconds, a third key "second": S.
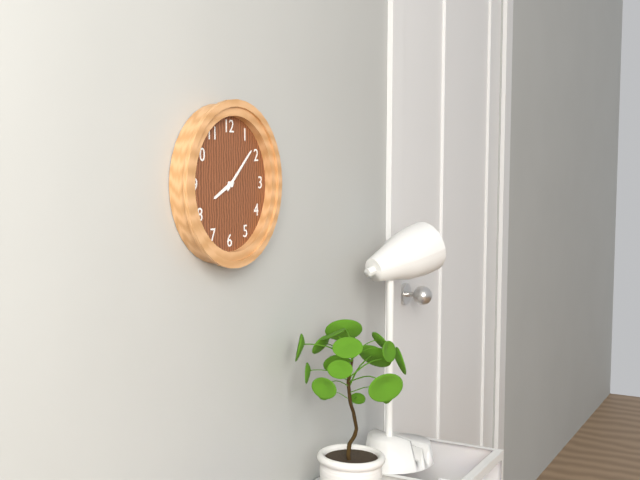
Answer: {"hour": 8, "minute": 8}
